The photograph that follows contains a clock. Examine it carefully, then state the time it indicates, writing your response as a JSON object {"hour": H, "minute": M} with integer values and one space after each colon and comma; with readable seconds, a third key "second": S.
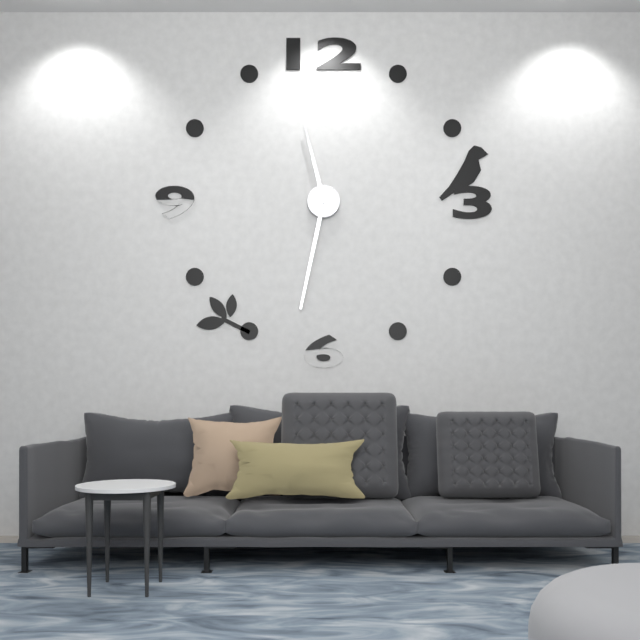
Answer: {"hour": 11, "minute": 32}
